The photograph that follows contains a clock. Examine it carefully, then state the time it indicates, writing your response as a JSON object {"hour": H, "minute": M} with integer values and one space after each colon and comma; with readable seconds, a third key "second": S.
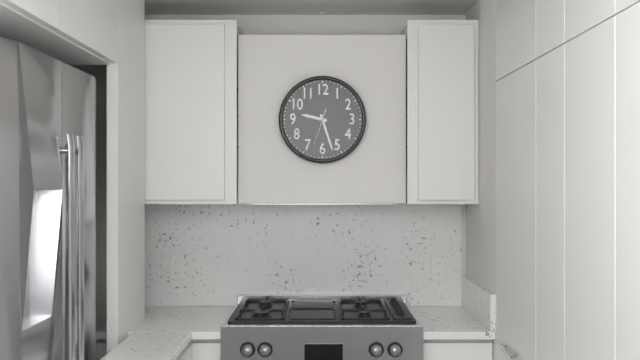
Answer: {"hour": 9, "minute": 27}
